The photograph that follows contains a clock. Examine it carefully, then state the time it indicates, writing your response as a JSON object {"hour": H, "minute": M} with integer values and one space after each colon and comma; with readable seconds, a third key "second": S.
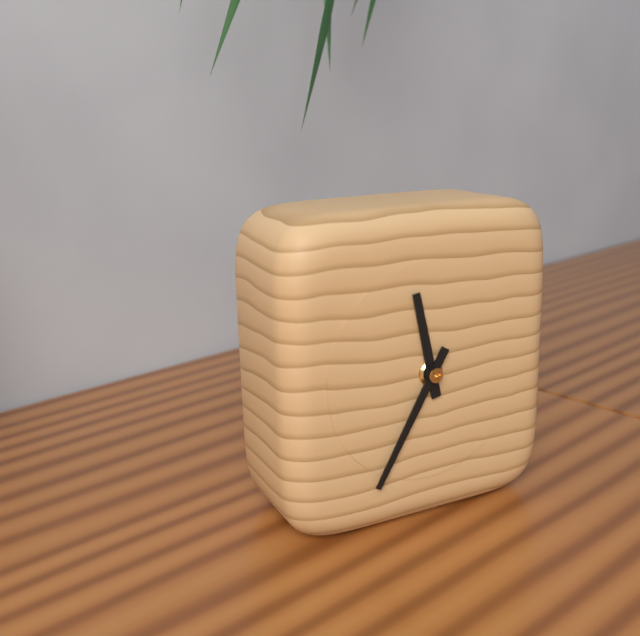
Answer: {"hour": 11, "minute": 35}
